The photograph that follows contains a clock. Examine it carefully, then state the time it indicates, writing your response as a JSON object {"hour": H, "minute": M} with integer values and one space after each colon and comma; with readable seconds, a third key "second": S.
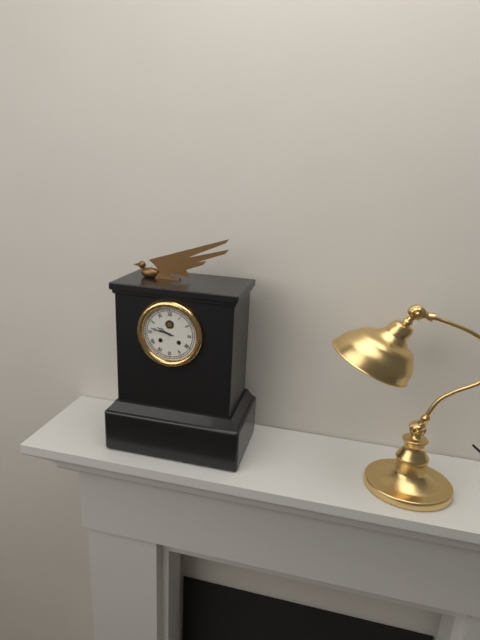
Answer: {"hour": 9, "minute": 47}
